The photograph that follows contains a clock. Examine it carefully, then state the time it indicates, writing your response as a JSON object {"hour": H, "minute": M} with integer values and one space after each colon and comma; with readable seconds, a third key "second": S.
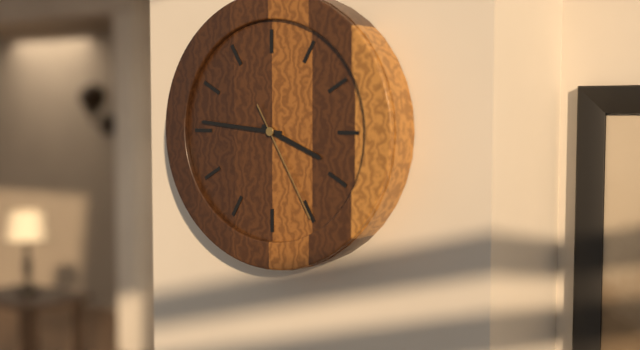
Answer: {"hour": 3, "minute": 46, "second": 25}
